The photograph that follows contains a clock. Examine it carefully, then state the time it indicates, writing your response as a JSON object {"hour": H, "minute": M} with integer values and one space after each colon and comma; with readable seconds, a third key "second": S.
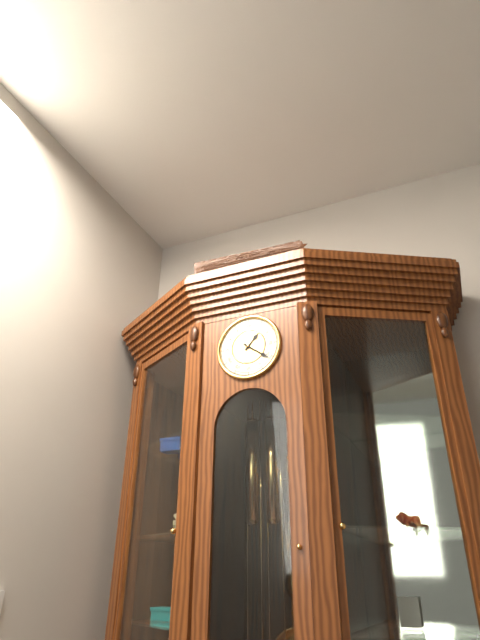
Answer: {"hour": 1, "minute": 21}
